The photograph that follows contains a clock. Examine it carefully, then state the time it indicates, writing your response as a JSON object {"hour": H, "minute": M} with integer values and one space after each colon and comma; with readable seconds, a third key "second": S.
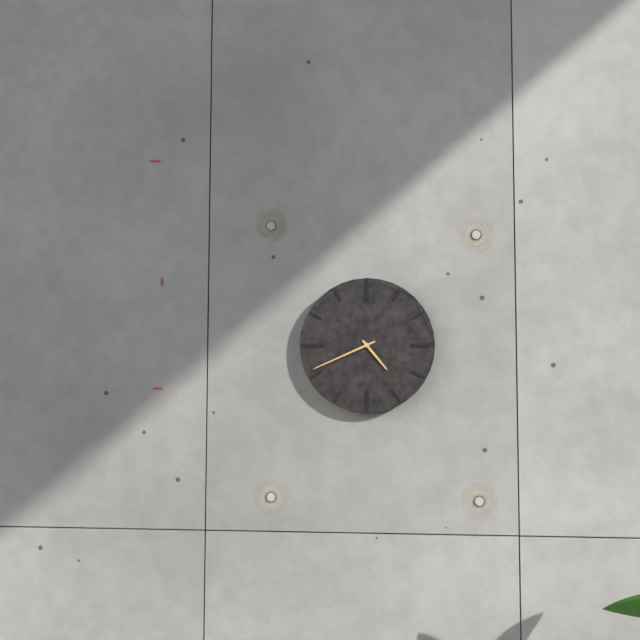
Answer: {"hour": 4, "minute": 41}
